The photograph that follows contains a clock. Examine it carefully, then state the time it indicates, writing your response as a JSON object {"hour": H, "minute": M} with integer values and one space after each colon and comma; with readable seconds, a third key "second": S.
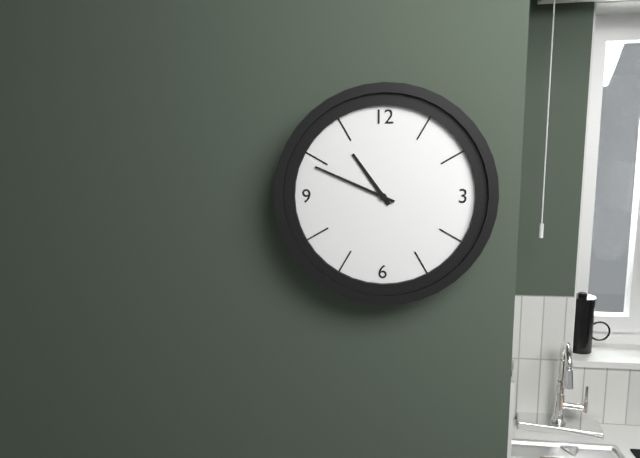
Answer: {"hour": 10, "minute": 49}
